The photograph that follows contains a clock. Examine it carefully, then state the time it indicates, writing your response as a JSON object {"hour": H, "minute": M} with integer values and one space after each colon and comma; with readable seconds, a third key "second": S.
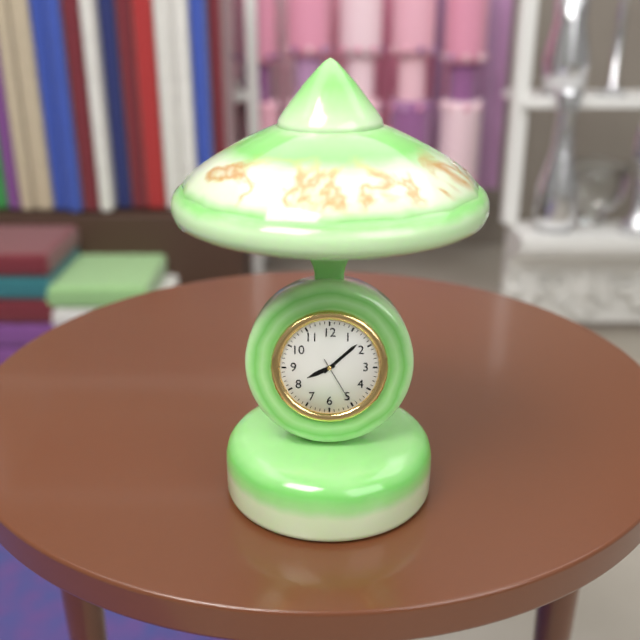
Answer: {"hour": 8, "minute": 8, "second": 25}
